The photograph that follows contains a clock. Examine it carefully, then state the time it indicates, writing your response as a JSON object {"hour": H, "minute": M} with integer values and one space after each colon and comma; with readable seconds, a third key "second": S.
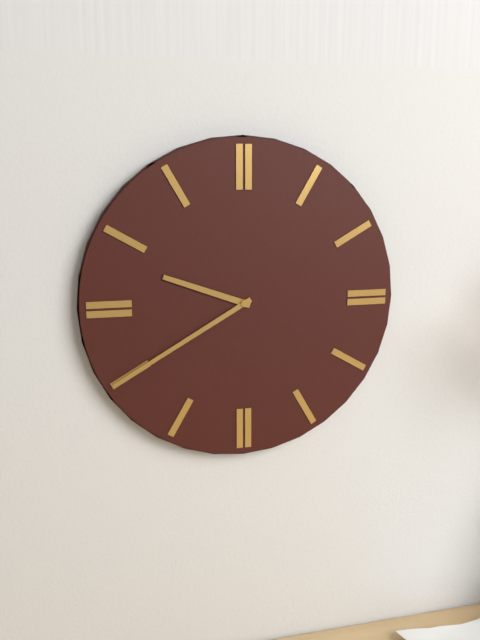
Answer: {"hour": 9, "minute": 40}
